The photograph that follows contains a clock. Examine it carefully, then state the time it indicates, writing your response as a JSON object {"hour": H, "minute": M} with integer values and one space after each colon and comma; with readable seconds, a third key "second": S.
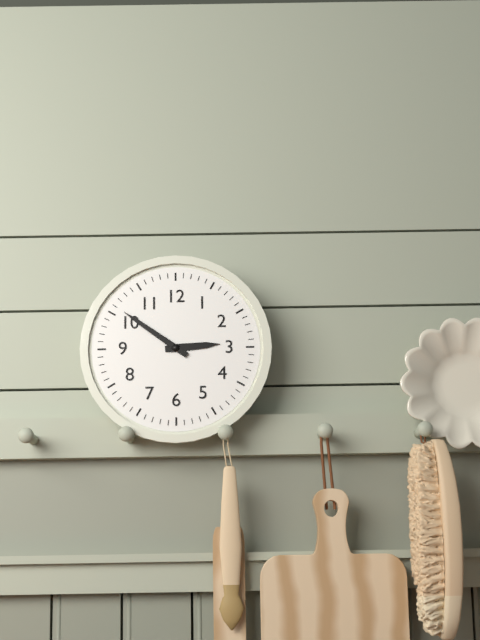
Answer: {"hour": 2, "minute": 51}
